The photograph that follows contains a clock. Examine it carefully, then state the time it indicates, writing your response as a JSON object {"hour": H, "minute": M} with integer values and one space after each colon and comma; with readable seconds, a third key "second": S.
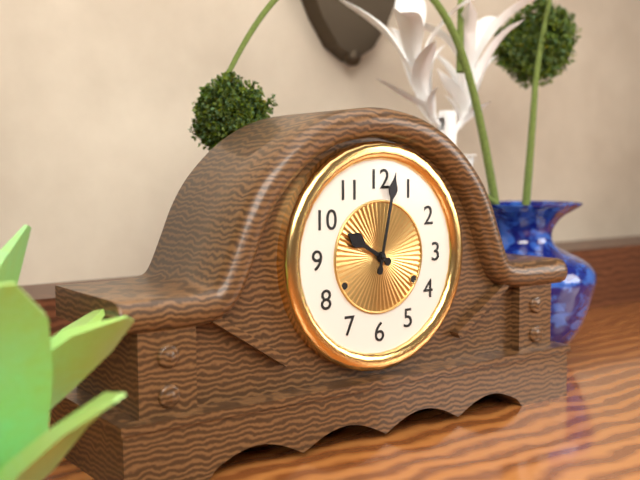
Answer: {"hour": 10, "minute": 2}
